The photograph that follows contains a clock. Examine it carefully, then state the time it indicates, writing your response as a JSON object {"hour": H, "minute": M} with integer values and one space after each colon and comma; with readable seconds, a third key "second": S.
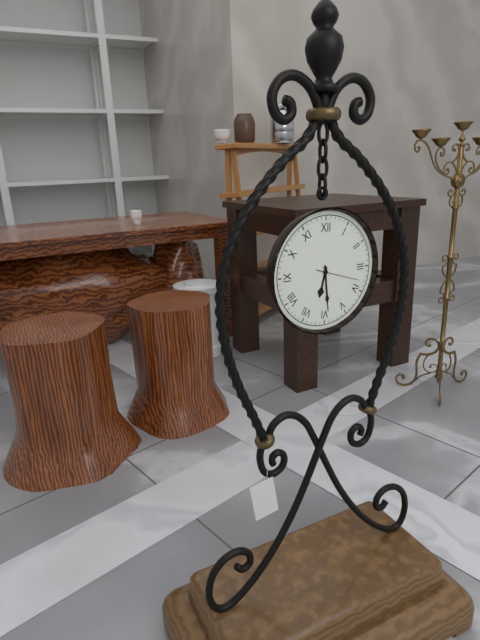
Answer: {"hour": 6, "minute": 29}
